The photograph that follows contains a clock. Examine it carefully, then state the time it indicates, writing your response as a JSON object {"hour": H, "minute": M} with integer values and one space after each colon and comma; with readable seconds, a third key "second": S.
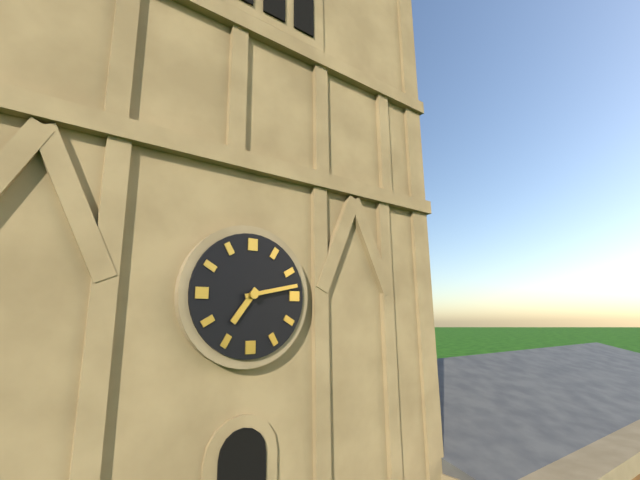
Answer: {"hour": 7, "minute": 13}
